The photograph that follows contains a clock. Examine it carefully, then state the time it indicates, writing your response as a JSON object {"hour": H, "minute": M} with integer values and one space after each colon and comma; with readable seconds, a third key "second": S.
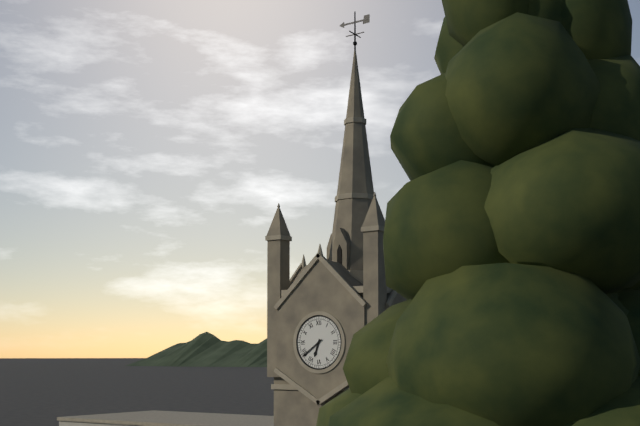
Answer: {"hour": 6, "minute": 39}
